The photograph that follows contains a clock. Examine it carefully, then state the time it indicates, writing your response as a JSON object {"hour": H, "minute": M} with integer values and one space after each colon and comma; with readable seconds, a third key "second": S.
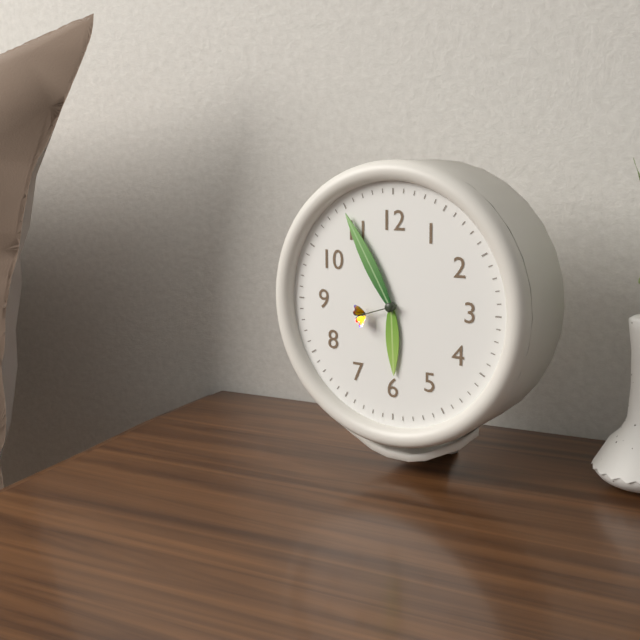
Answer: {"hour": 5, "minute": 55, "second": 42}
